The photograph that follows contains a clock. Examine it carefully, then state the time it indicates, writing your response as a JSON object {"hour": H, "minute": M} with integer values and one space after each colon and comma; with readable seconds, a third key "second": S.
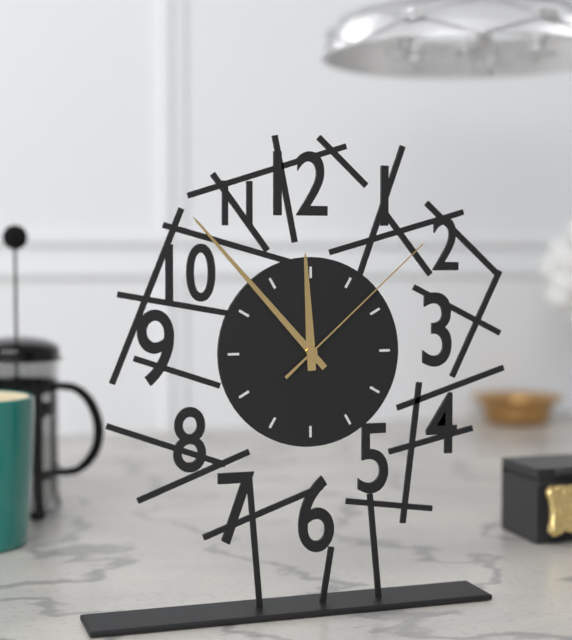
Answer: {"hour": 11, "minute": 53, "second": 8}
